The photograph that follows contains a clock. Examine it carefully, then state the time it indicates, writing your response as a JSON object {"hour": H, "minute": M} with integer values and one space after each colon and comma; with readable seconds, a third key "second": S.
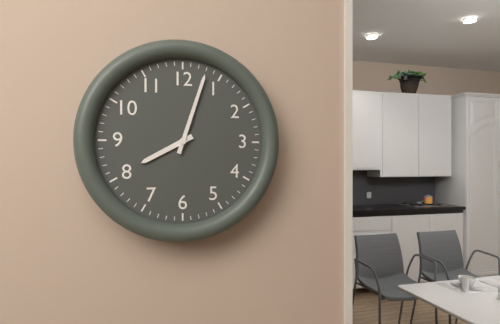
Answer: {"hour": 8, "minute": 3}
